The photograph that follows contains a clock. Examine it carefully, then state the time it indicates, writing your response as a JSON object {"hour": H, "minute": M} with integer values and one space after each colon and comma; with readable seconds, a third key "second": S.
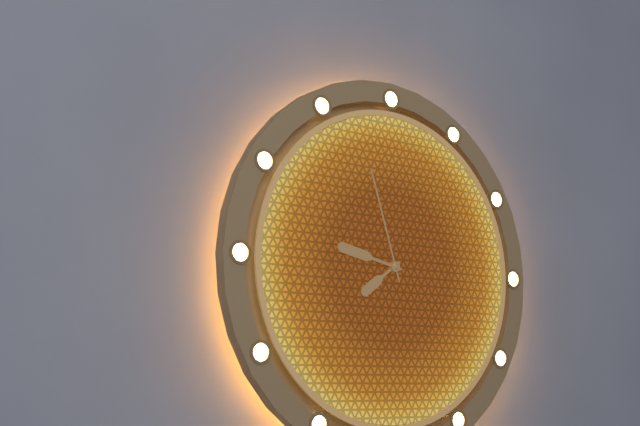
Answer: {"hour": 7, "minute": 47, "second": 57}
